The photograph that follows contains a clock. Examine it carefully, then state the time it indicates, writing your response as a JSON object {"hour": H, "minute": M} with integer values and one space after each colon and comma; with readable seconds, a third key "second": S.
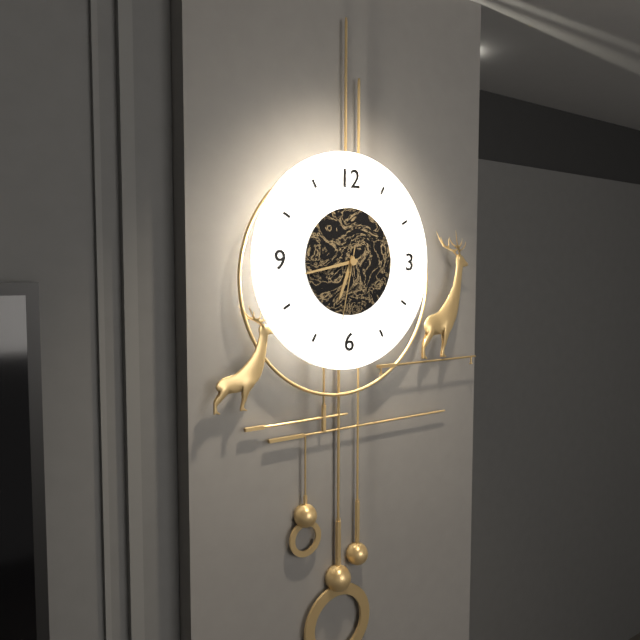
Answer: {"hour": 6, "minute": 43, "second": 32}
